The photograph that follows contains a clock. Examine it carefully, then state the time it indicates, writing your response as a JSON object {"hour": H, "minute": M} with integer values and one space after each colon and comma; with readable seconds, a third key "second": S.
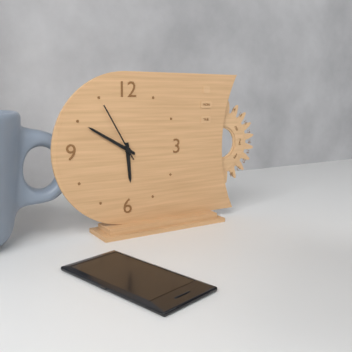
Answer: {"hour": 5, "minute": 50, "second": 55}
